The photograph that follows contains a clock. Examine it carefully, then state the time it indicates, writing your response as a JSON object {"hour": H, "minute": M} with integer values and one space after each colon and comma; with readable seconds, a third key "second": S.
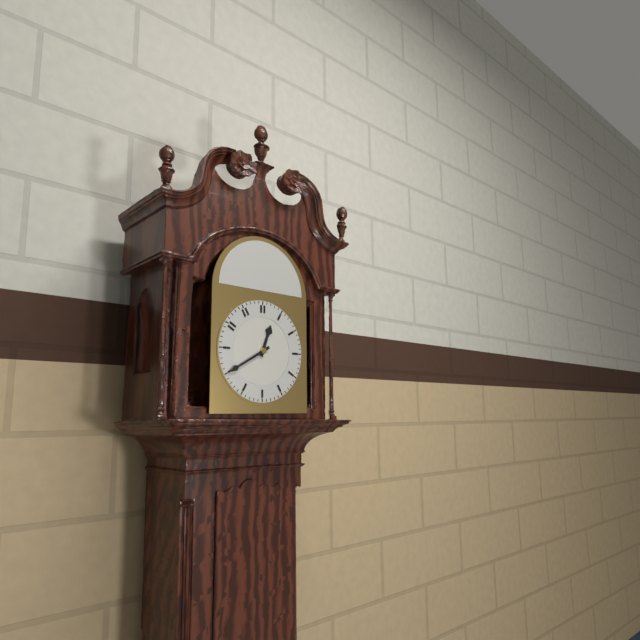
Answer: {"hour": 12, "minute": 40}
